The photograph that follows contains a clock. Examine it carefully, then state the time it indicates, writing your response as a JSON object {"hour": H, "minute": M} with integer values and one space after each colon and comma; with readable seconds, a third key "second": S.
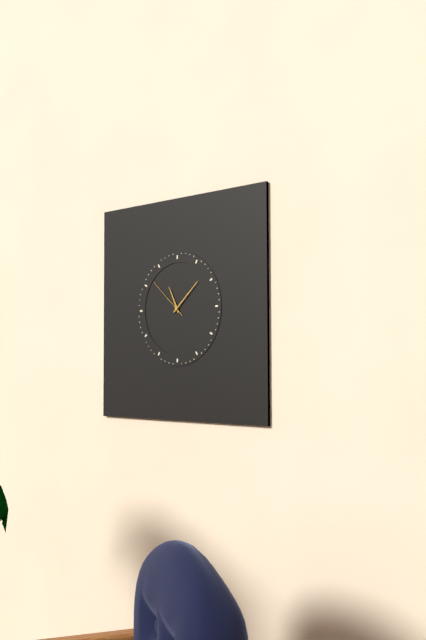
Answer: {"hour": 11, "minute": 8}
